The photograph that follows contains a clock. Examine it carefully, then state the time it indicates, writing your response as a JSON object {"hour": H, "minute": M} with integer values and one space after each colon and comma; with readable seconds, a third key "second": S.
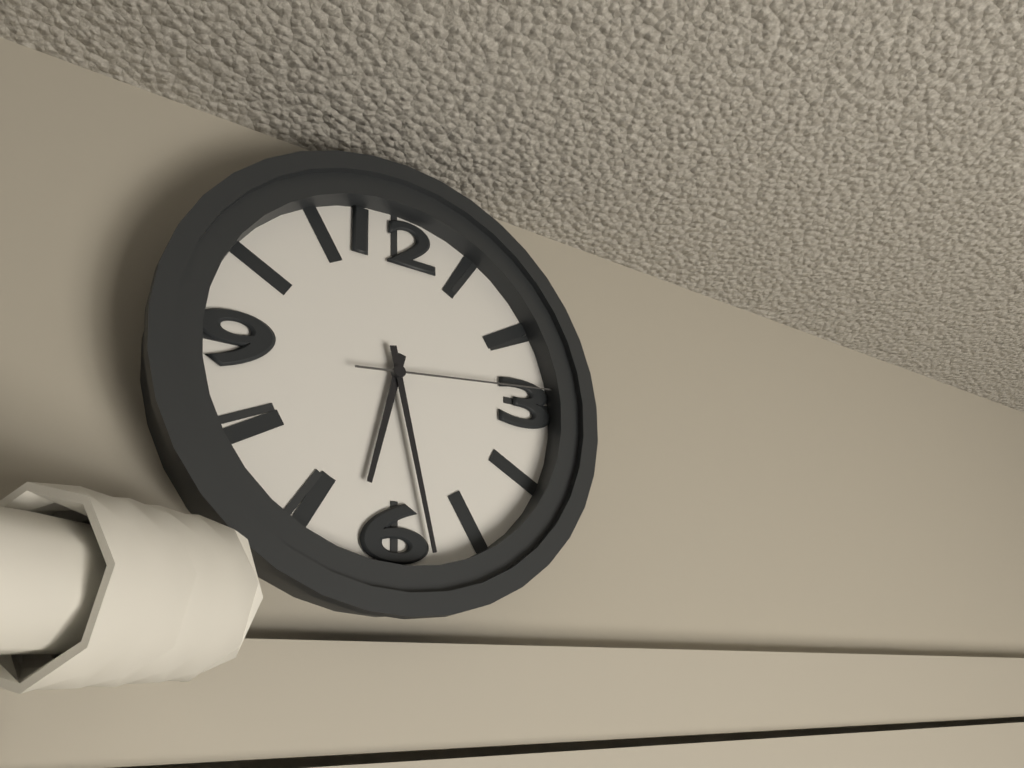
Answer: {"hour": 6, "minute": 28, "second": 14}
